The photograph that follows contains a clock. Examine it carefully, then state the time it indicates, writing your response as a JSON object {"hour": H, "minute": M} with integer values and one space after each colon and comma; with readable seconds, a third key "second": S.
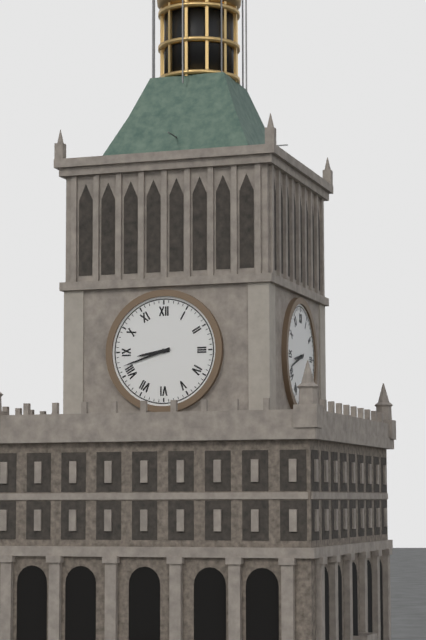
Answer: {"hour": 8, "minute": 42}
